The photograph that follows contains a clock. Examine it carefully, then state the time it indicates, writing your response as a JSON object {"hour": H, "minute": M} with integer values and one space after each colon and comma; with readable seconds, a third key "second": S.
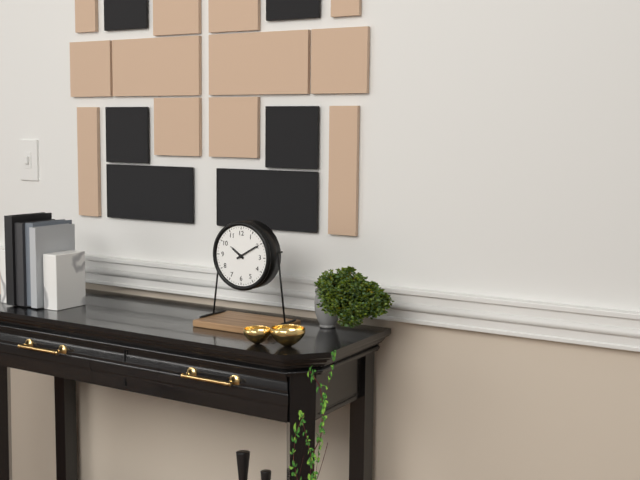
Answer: {"hour": 10, "minute": 10}
